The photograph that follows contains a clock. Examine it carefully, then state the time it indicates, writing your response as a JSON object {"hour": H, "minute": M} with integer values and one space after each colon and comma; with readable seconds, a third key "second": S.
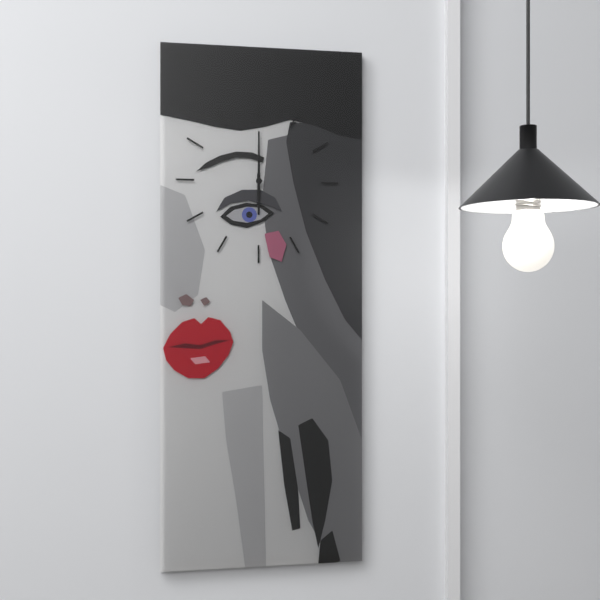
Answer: {"hour": 6, "minute": 0}
